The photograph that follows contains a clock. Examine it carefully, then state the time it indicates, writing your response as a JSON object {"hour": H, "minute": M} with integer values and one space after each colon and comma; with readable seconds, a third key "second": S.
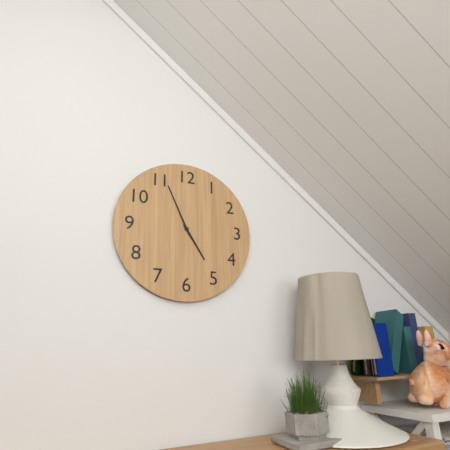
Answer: {"hour": 4, "minute": 56}
